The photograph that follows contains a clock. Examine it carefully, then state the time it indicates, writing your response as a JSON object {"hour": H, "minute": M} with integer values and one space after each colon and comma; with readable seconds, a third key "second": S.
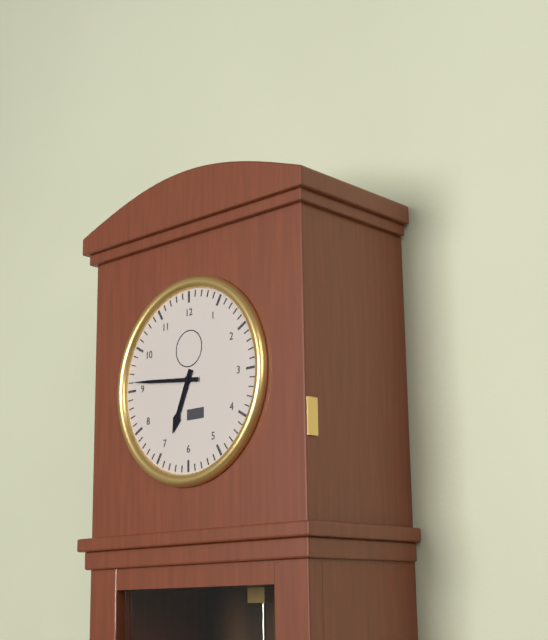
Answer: {"hour": 6, "minute": 46}
